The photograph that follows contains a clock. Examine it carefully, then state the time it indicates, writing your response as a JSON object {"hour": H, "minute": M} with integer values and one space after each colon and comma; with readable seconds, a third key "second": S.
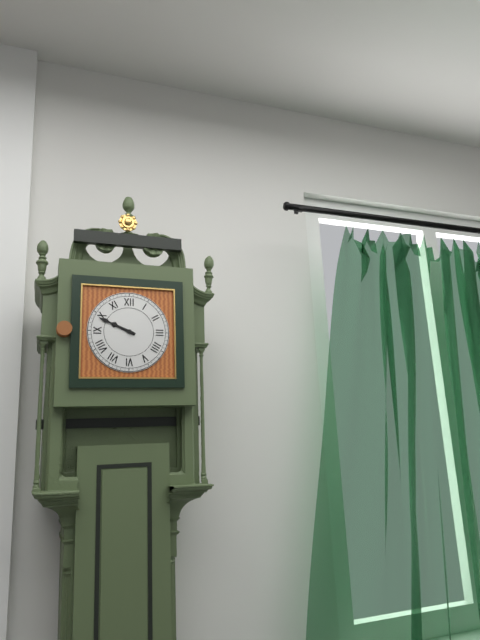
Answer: {"hour": 9, "minute": 49}
